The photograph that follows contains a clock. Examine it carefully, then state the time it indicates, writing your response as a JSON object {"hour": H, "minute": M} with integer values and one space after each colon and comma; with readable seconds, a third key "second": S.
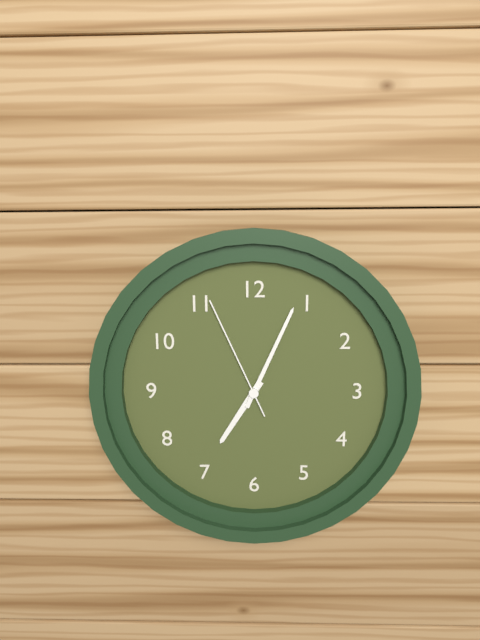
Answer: {"hour": 7, "minute": 4, "second": 56}
